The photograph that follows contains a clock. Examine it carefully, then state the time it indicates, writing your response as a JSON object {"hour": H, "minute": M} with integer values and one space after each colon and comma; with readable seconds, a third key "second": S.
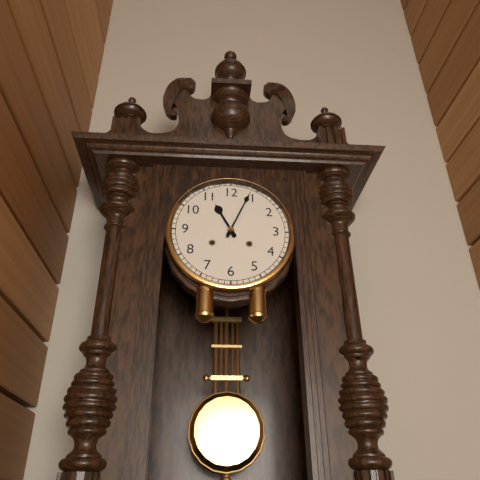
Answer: {"hour": 11, "minute": 4}
